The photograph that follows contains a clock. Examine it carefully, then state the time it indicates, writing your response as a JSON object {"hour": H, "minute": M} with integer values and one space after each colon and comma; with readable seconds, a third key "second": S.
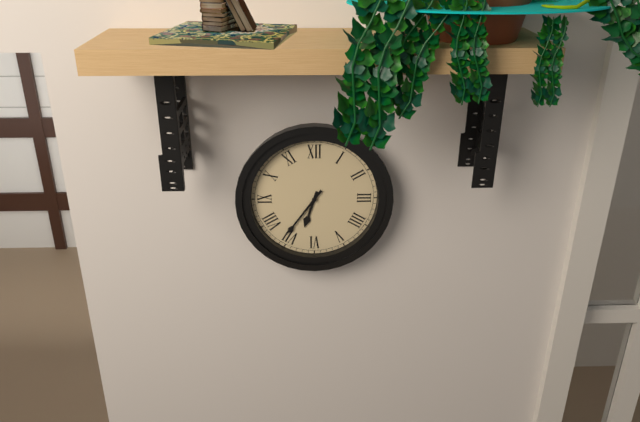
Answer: {"hour": 6, "minute": 36}
